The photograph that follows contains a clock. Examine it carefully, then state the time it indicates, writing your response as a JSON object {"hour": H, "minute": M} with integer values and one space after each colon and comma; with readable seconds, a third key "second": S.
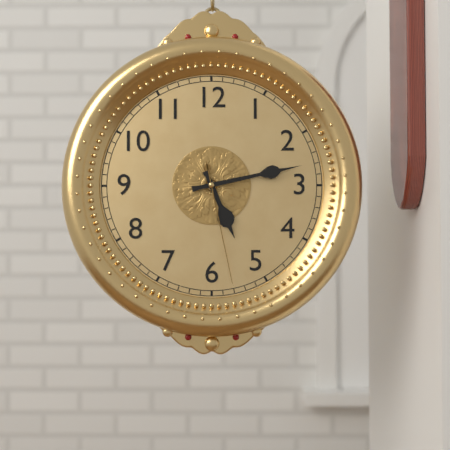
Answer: {"hour": 5, "minute": 13, "second": 28}
